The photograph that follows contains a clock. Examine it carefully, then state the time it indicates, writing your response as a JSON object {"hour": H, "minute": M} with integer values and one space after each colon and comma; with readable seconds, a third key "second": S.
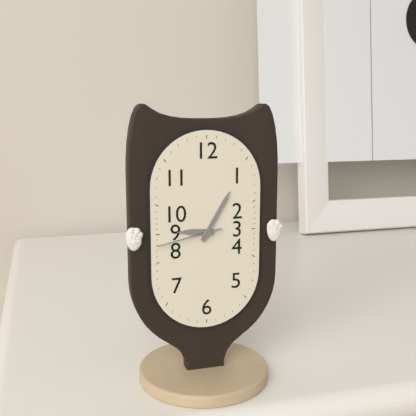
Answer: {"hour": 9, "minute": 5, "second": 43}
